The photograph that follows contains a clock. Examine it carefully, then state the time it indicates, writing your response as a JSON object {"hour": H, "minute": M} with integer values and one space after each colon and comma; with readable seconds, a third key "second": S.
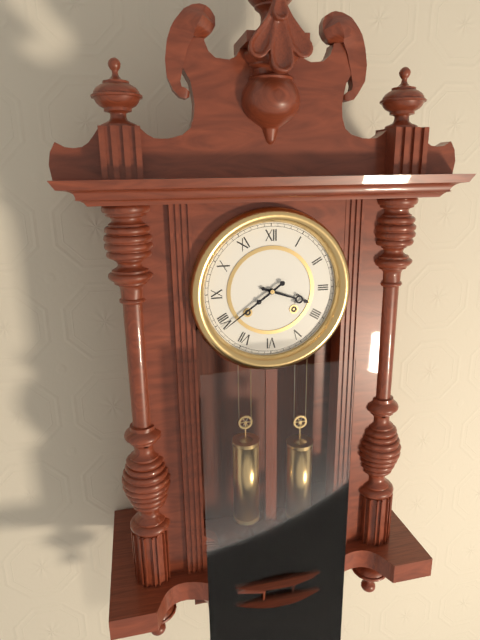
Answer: {"hour": 3, "minute": 39}
